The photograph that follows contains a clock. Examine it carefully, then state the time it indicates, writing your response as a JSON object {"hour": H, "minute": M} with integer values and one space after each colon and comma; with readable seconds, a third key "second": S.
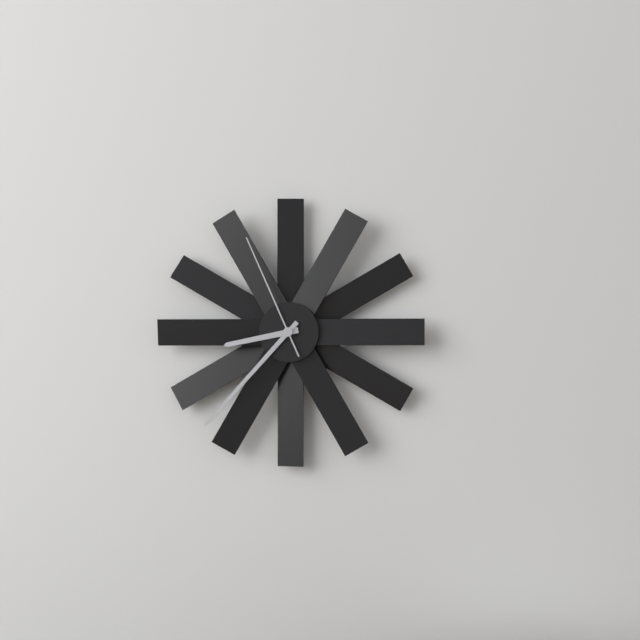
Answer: {"hour": 8, "minute": 37, "second": 56}
